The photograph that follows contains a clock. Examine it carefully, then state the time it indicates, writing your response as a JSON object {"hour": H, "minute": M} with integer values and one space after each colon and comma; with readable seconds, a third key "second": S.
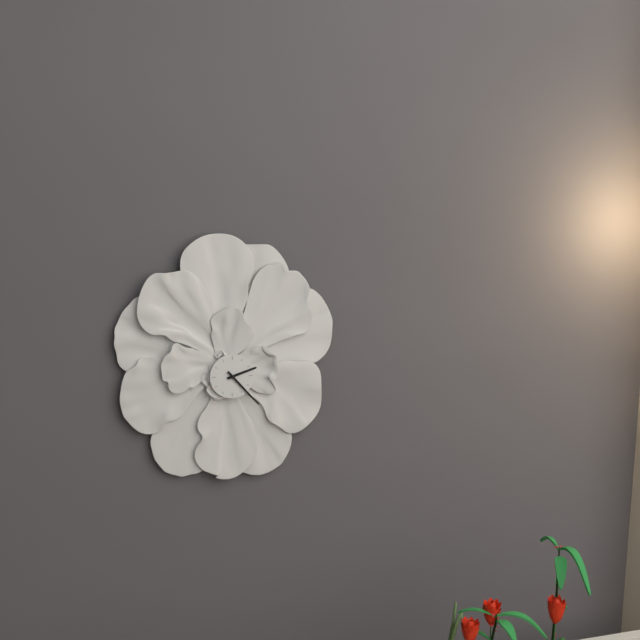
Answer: {"hour": 2, "minute": 23}
